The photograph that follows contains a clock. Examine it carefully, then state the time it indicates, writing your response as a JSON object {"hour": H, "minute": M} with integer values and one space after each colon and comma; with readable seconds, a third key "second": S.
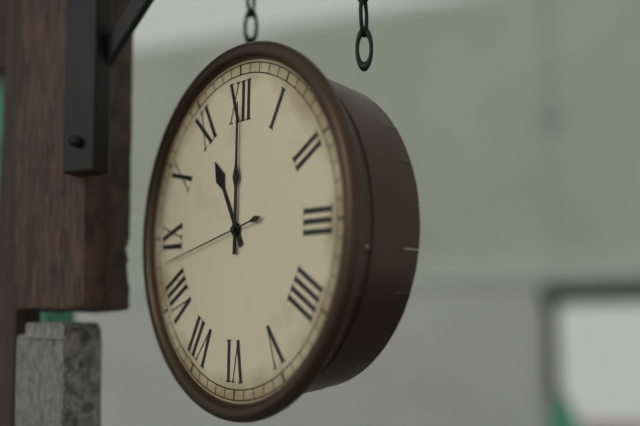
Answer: {"hour": 11, "minute": 0, "second": 43}
